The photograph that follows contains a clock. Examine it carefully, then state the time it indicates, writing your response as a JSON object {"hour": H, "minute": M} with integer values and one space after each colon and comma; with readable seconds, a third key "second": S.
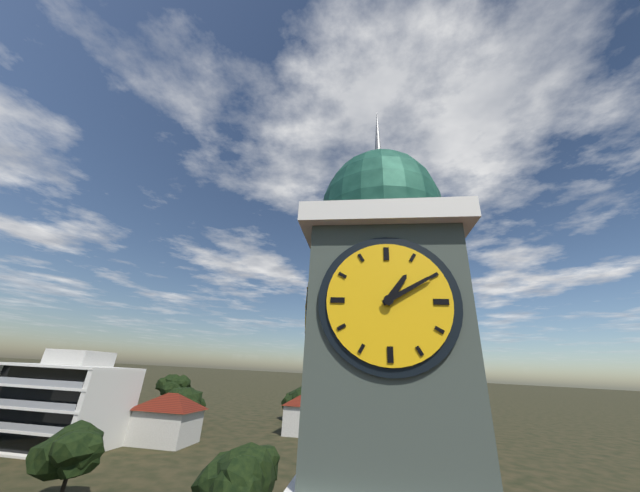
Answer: {"hour": 1, "minute": 10}
